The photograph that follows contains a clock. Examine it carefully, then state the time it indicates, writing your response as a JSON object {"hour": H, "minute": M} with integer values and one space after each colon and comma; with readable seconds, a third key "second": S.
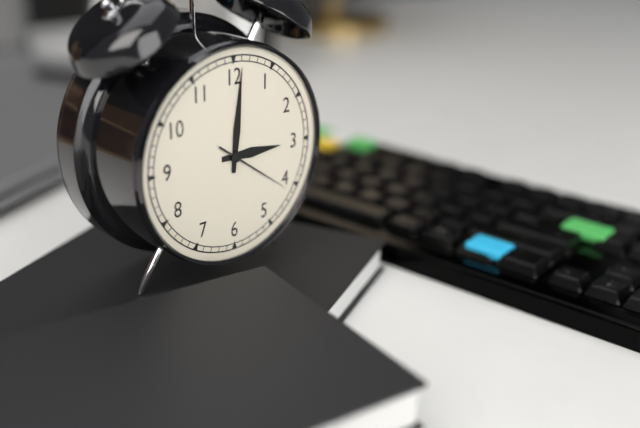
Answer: {"hour": 3, "minute": 1, "second": 21}
